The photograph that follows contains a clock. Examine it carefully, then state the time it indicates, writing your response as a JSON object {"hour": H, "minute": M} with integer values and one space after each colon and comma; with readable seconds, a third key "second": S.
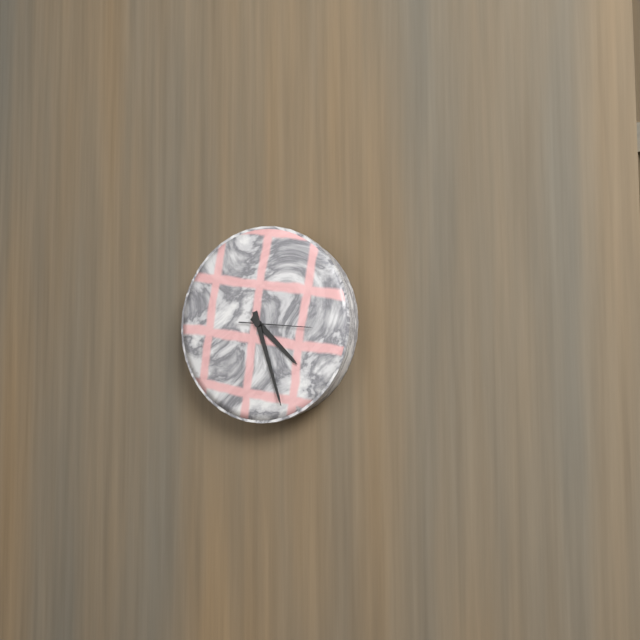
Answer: {"hour": 4, "minute": 27, "second": 16}
